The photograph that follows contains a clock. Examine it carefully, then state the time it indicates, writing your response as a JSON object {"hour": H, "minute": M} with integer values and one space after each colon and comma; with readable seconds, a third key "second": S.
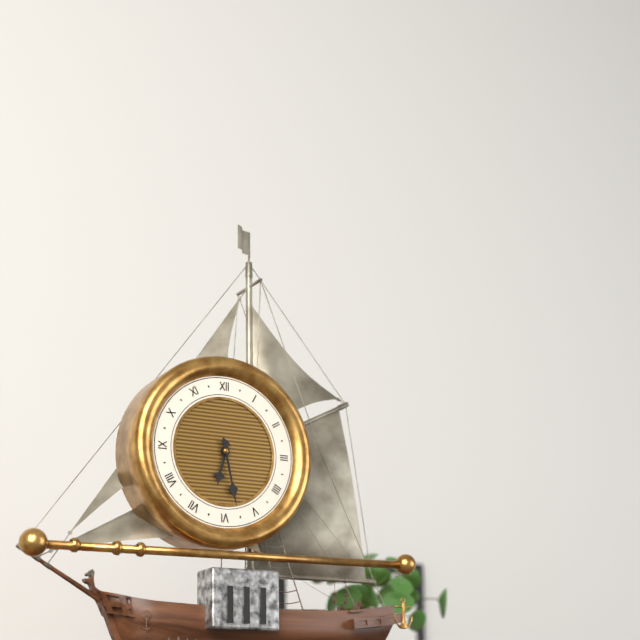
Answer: {"hour": 6, "minute": 28}
